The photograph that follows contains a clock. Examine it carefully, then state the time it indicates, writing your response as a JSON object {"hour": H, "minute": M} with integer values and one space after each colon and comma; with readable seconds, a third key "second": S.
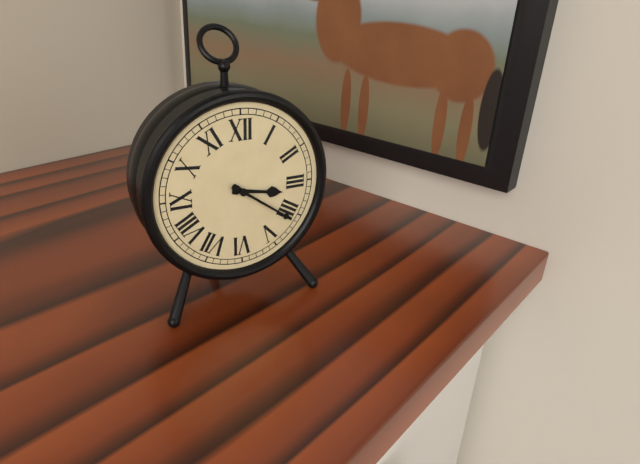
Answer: {"hour": 3, "minute": 21}
